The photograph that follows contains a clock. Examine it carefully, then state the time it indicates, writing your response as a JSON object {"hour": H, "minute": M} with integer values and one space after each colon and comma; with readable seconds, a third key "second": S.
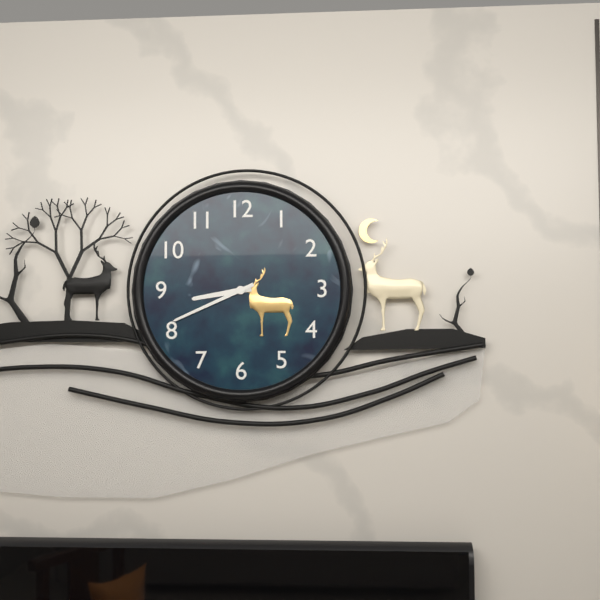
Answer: {"hour": 8, "minute": 41}
